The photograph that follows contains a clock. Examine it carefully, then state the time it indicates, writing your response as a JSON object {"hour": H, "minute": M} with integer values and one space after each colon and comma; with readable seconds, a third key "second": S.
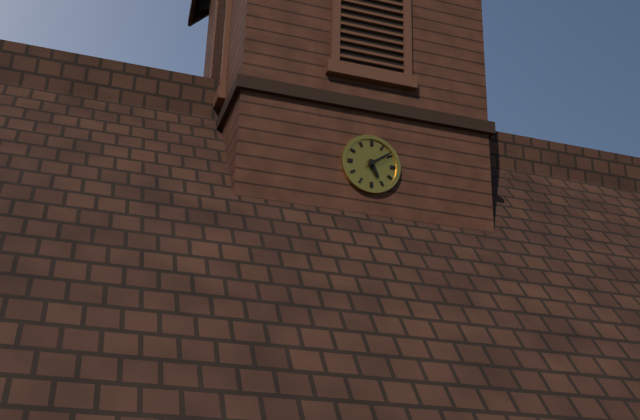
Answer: {"hour": 5, "minute": 9}
